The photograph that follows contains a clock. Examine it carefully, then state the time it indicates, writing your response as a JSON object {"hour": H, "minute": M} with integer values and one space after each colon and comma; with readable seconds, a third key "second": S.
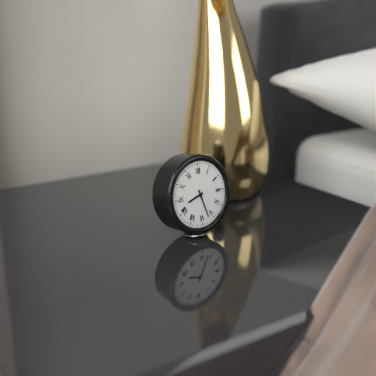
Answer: {"hour": 8, "minute": 27}
